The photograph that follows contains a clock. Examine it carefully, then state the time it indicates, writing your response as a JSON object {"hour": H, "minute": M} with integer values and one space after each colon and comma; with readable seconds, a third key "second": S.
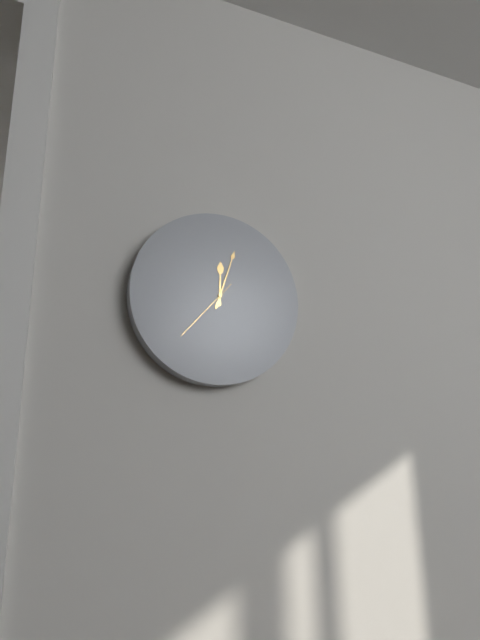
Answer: {"hour": 12, "minute": 3, "second": 37}
